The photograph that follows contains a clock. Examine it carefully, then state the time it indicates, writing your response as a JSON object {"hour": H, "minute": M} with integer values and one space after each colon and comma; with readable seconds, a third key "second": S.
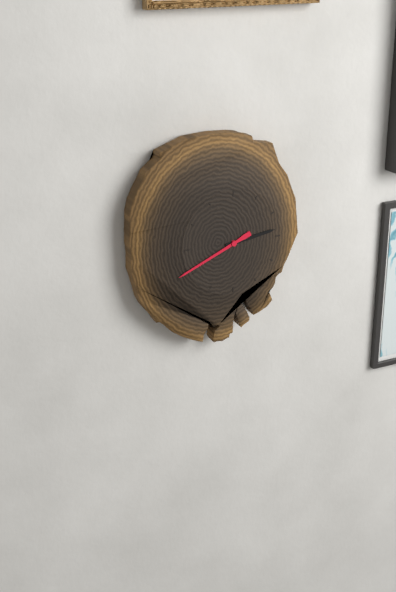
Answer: {"hour": 2, "minute": 41}
